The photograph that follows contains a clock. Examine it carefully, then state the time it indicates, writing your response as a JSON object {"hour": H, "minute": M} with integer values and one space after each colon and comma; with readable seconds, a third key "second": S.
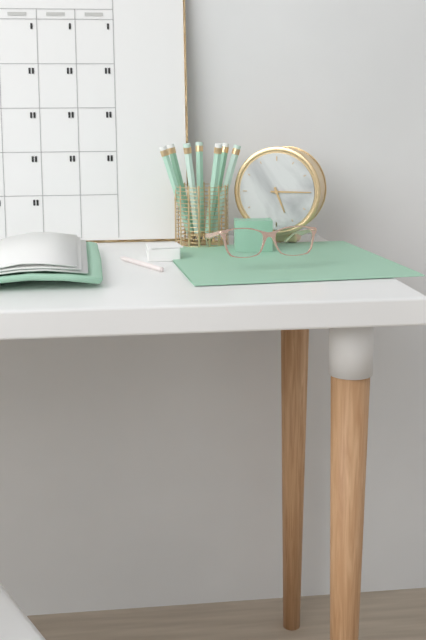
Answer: {"hour": 5, "minute": 15}
